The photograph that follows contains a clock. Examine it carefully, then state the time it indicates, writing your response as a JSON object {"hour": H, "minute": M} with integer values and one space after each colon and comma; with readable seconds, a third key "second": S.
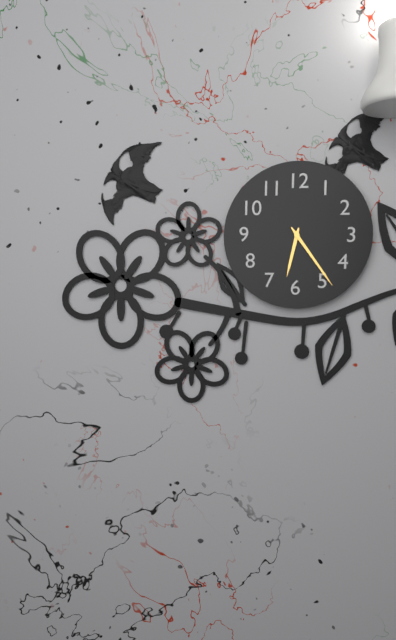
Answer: {"hour": 6, "minute": 24}
